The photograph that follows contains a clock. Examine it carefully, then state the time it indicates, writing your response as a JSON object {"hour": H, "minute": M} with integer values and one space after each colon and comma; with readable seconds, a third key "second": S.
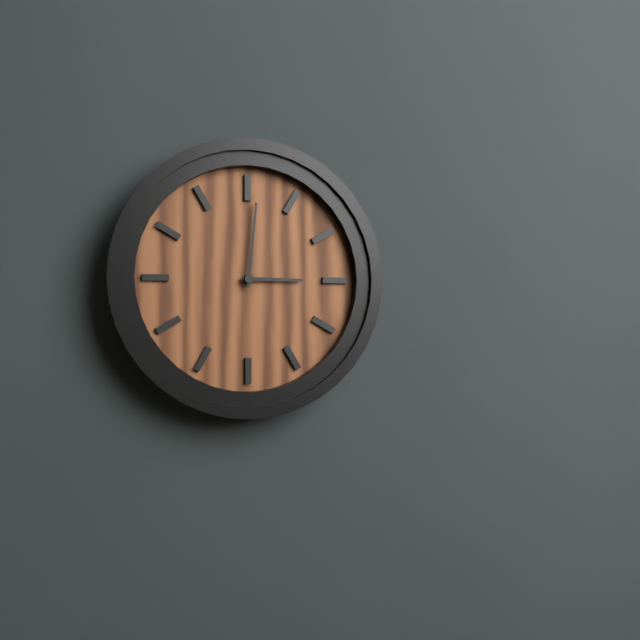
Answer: {"hour": 3, "minute": 1}
